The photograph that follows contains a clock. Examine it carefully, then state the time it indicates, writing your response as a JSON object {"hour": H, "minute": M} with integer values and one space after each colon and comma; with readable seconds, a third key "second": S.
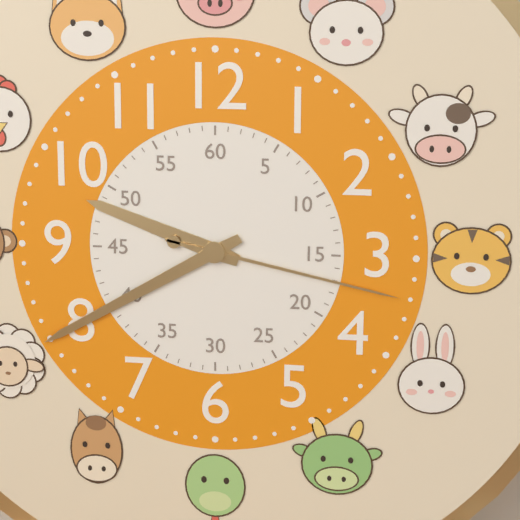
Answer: {"hour": 9, "minute": 40, "second": 17}
